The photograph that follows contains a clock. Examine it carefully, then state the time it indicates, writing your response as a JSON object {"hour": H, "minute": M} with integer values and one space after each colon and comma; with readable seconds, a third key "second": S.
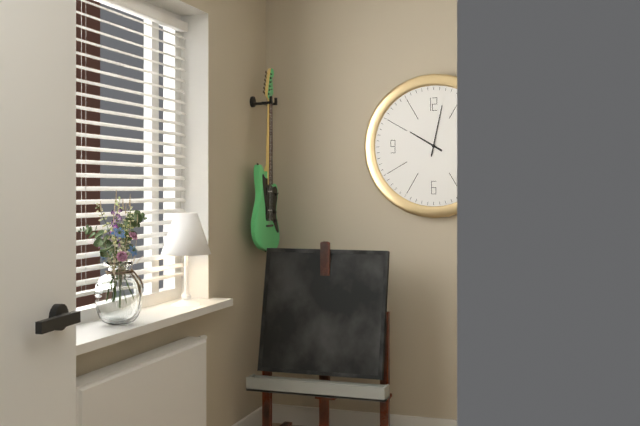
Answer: {"hour": 10, "minute": 2}
